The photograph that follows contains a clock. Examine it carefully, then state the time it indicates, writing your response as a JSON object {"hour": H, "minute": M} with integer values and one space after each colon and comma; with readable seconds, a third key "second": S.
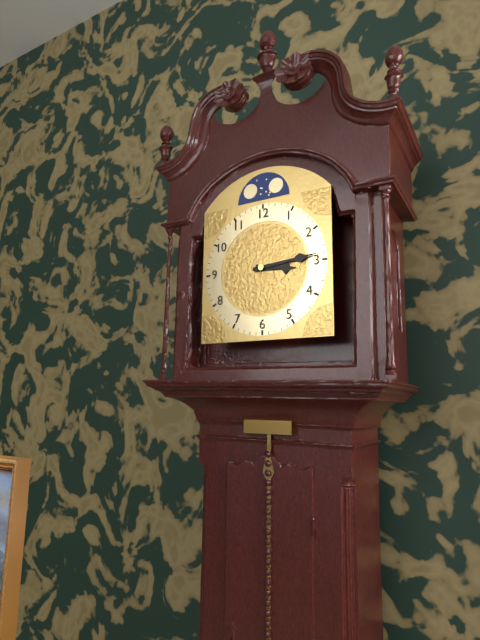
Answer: {"hour": 3, "minute": 14}
